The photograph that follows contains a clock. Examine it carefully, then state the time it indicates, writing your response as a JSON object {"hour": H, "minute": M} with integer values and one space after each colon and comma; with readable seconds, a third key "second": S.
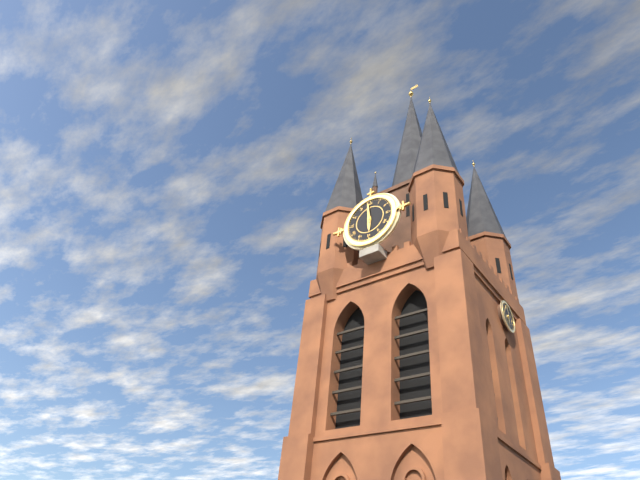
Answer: {"hour": 5, "minute": 59}
